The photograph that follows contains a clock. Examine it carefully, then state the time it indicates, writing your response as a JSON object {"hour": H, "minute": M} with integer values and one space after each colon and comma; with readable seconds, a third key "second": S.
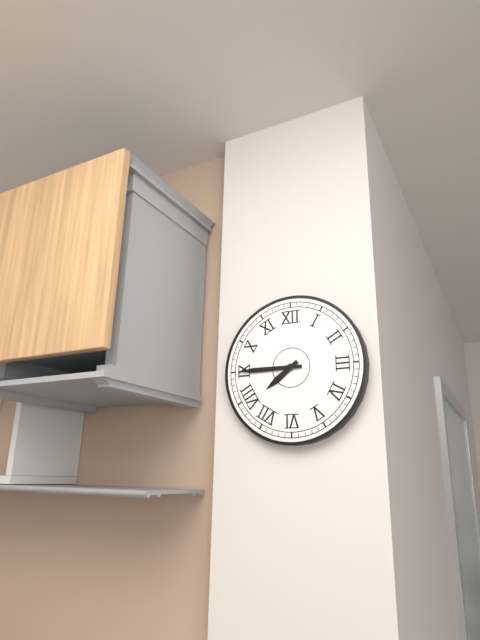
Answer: {"hour": 7, "minute": 45}
